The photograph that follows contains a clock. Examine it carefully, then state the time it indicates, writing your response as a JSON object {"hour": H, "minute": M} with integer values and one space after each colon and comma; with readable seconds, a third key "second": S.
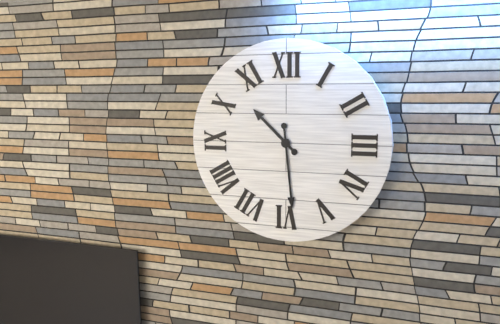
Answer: {"hour": 10, "minute": 29}
